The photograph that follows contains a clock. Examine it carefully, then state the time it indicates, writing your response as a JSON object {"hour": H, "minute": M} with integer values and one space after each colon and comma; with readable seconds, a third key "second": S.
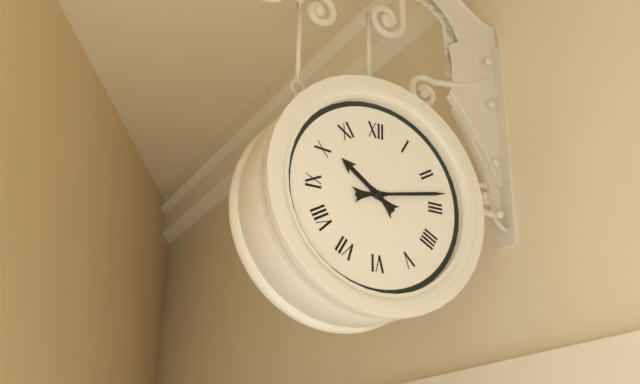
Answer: {"hour": 10, "minute": 13}
